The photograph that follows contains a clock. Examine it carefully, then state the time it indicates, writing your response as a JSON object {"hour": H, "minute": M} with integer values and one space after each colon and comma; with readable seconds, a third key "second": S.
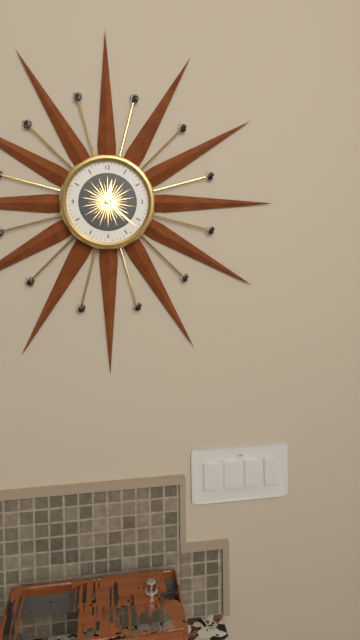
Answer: {"hour": 12, "minute": 22}
